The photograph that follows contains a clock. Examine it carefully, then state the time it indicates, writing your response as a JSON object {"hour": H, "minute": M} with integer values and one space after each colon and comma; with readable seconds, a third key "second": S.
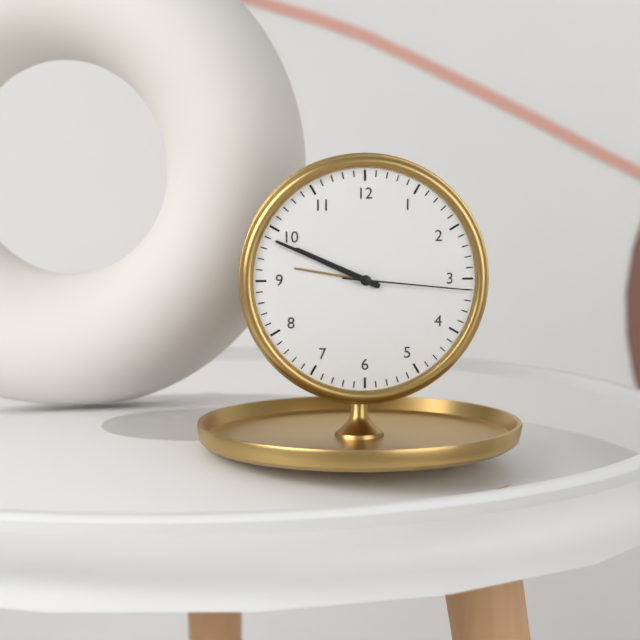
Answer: {"hour": 9, "minute": 49, "second": 16}
